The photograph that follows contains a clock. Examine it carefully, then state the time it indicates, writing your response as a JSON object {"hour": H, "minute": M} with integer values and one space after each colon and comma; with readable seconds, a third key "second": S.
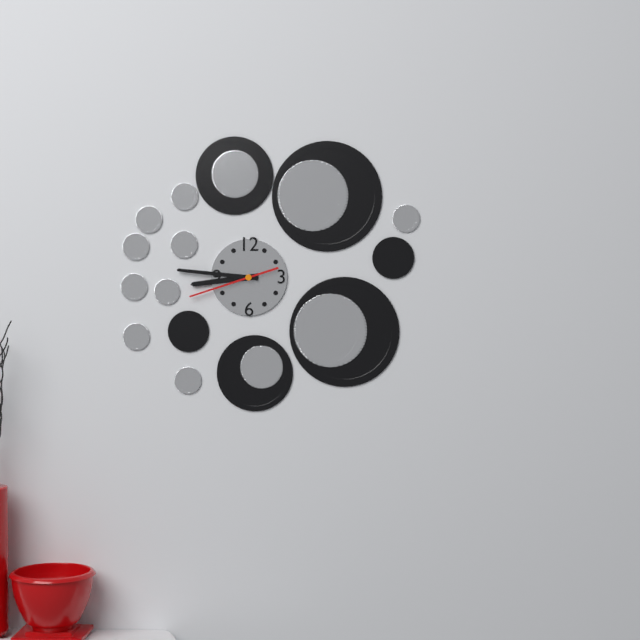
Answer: {"hour": 8, "minute": 46, "second": 42}
